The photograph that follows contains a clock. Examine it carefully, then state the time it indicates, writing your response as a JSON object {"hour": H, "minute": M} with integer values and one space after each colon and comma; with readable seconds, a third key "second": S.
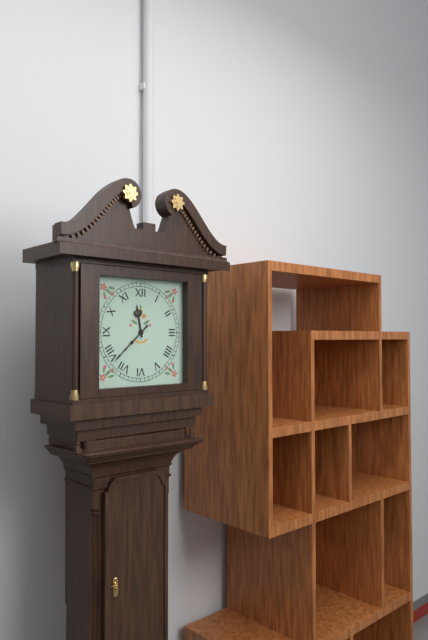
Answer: {"hour": 11, "minute": 38}
